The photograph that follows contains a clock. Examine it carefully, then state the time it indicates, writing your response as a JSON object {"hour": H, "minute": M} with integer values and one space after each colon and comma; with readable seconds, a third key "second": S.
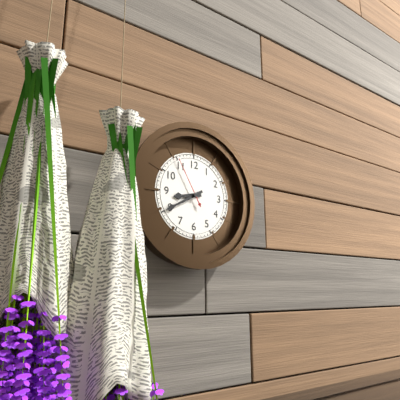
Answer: {"hour": 8, "minute": 40, "second": 55}
